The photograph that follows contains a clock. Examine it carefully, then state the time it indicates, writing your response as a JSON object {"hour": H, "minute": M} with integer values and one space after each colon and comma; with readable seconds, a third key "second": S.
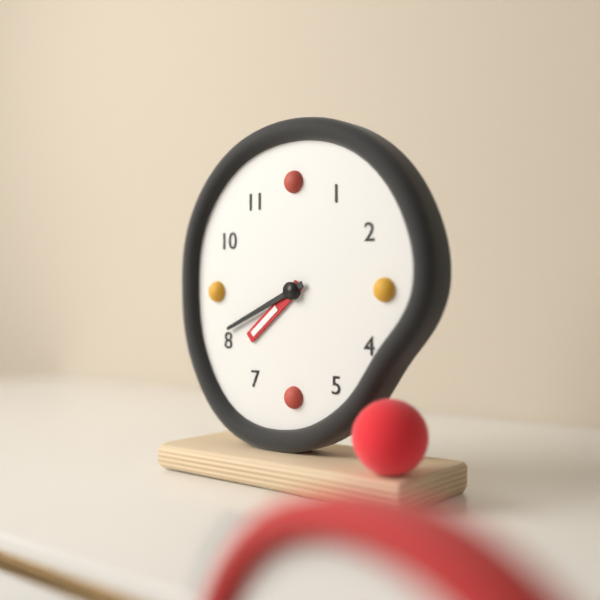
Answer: {"hour": 7, "minute": 41}
